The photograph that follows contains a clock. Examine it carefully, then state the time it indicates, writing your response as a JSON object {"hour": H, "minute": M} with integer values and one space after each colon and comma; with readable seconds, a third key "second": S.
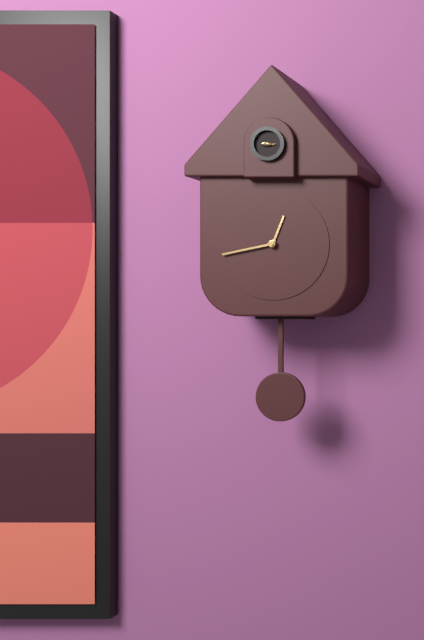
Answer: {"hour": 12, "minute": 43}
